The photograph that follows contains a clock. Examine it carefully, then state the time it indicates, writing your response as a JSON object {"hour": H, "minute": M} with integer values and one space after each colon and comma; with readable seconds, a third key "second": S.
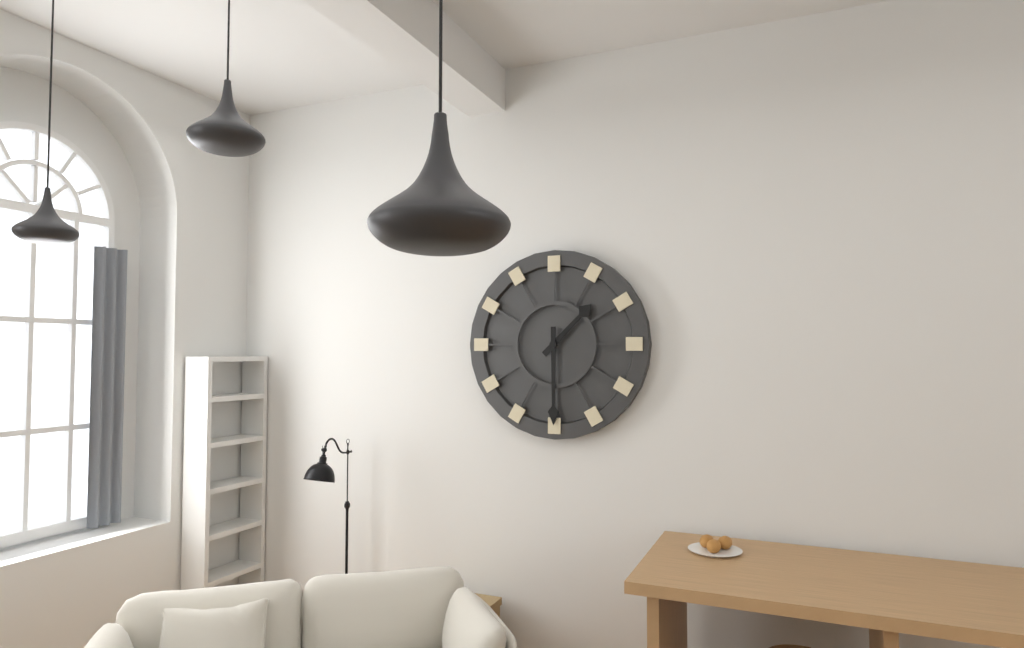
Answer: {"hour": 1, "minute": 30}
